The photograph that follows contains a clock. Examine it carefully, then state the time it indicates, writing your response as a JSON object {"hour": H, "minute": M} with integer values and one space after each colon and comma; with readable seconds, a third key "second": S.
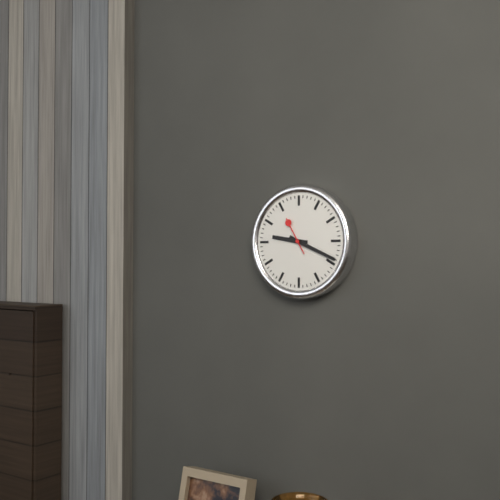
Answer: {"hour": 9, "minute": 19}
